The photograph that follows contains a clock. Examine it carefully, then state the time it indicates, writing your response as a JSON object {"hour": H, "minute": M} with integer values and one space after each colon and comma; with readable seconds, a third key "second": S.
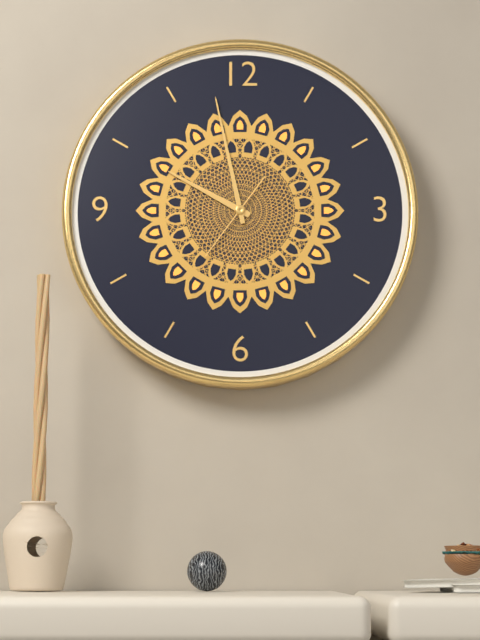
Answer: {"hour": 9, "minute": 58, "second": 36}
